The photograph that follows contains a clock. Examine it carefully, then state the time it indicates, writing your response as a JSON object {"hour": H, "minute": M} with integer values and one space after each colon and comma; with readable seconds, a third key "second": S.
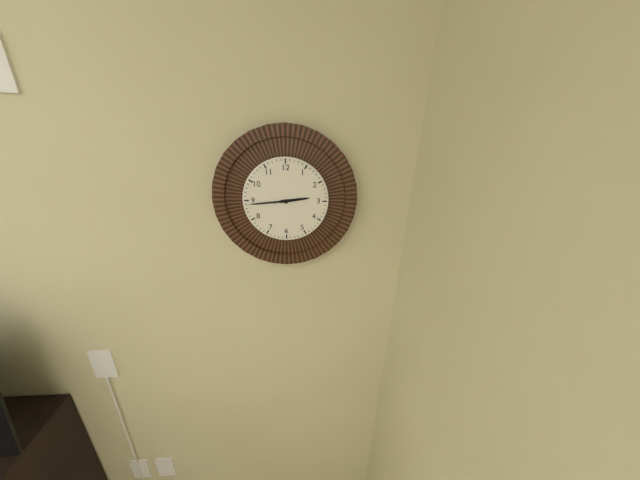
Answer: {"hour": 2, "minute": 44}
